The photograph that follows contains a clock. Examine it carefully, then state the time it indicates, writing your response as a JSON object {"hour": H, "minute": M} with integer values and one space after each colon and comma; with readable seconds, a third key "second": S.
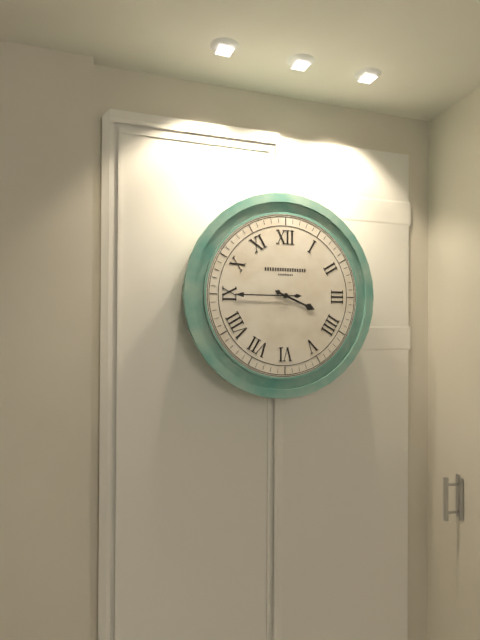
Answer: {"hour": 3, "minute": 45}
